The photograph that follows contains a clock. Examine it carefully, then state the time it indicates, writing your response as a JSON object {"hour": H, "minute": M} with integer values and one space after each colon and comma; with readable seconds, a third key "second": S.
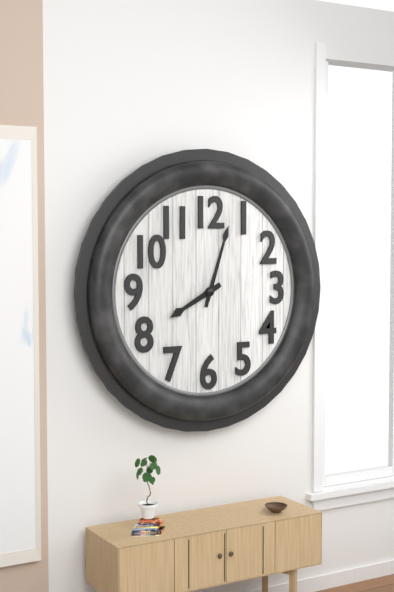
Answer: {"hour": 8, "minute": 3}
